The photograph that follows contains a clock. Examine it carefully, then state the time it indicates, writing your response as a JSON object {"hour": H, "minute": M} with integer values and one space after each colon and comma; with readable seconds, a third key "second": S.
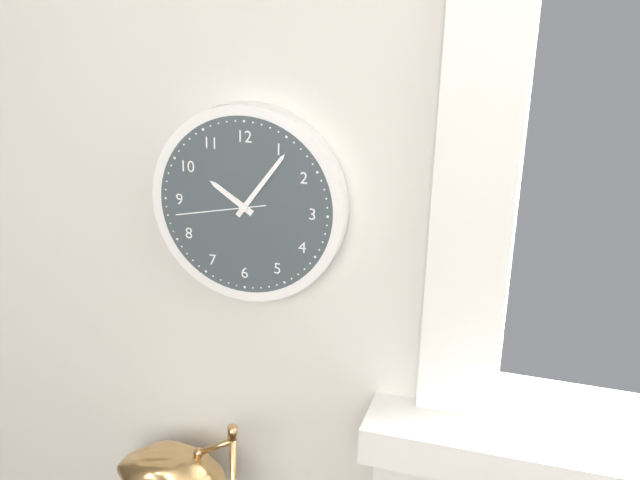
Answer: {"hour": 10, "minute": 6, "second": 43}
